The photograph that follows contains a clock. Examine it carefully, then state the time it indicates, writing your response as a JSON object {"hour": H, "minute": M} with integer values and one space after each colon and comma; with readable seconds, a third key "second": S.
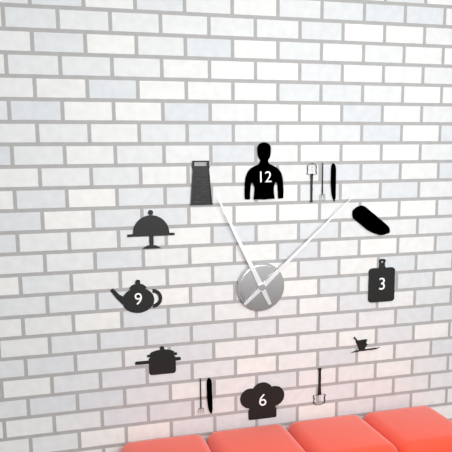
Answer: {"hour": 11, "minute": 8}
